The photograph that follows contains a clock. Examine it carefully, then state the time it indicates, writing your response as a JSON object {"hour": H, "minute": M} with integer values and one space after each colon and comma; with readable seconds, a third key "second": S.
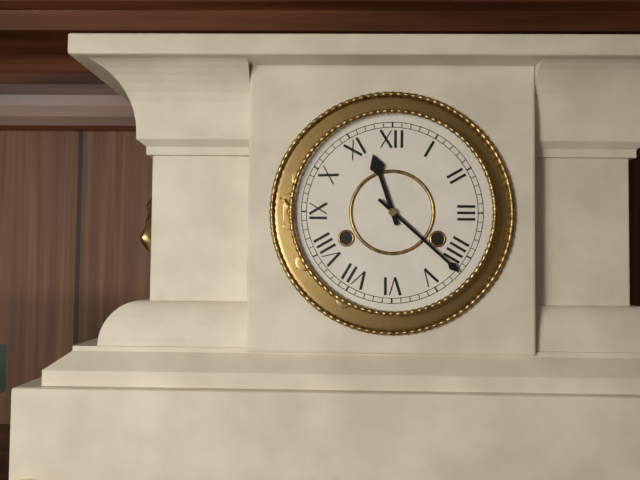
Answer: {"hour": 11, "minute": 22}
